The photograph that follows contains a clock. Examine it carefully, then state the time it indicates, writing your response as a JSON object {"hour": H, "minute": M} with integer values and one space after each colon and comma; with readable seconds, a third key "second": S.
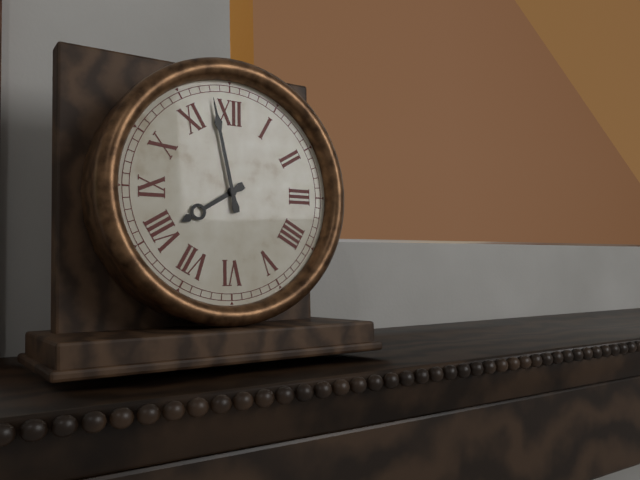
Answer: {"hour": 7, "minute": 58}
